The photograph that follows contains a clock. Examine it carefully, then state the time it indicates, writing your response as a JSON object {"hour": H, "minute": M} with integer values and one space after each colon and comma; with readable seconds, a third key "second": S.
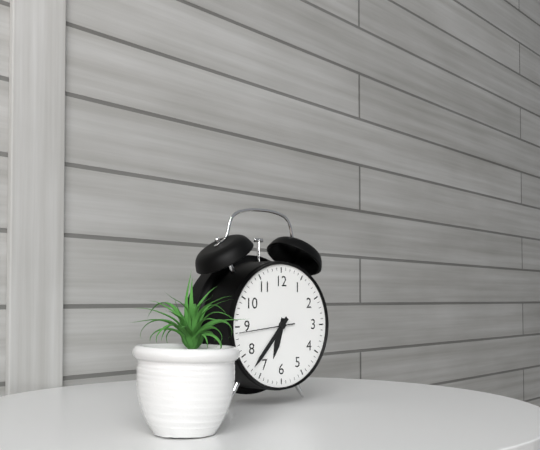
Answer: {"hour": 6, "minute": 37, "second": 44}
